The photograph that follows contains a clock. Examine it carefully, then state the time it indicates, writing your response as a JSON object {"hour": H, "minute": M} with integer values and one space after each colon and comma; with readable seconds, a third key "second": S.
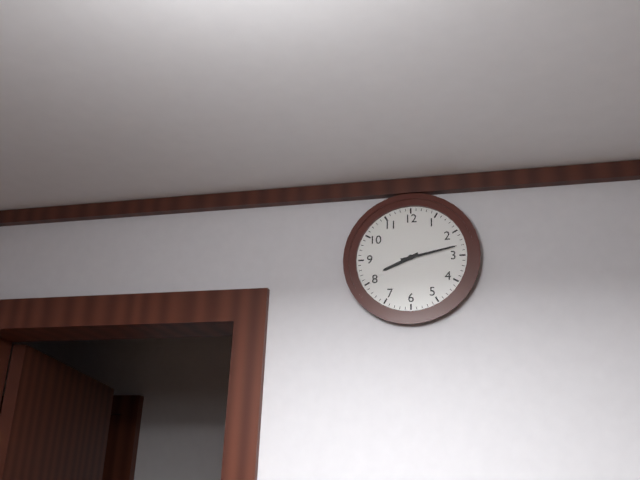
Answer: {"hour": 8, "minute": 13}
